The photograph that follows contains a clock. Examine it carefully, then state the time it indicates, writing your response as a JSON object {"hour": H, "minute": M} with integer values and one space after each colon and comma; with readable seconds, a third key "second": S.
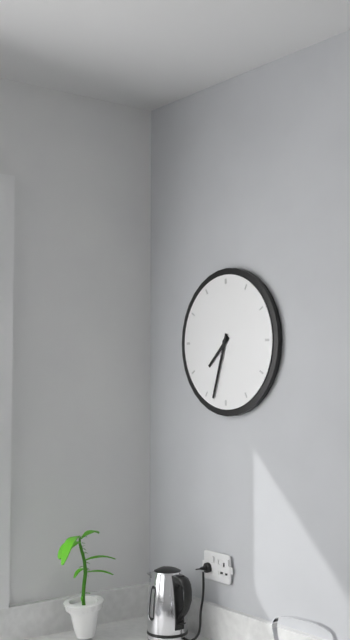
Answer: {"hour": 7, "minute": 33}
